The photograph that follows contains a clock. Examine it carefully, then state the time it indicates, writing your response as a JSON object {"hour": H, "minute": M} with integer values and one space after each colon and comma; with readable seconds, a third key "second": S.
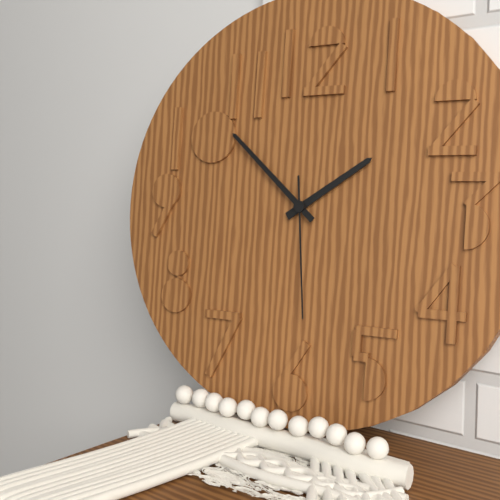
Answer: {"hour": 1, "minute": 52, "second": 29}
